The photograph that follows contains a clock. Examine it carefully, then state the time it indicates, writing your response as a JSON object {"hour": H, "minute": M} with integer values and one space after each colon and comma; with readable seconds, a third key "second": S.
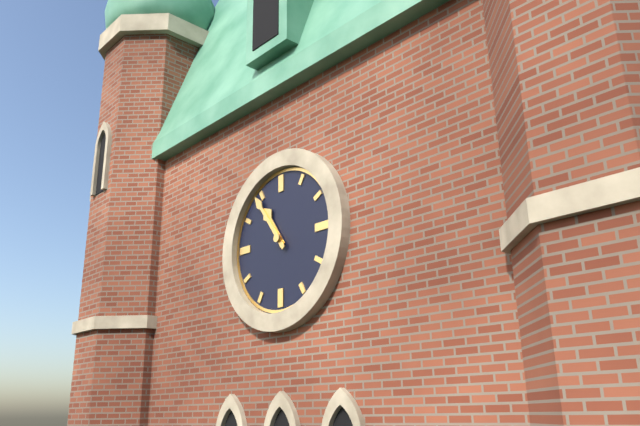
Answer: {"hour": 10, "minute": 54}
